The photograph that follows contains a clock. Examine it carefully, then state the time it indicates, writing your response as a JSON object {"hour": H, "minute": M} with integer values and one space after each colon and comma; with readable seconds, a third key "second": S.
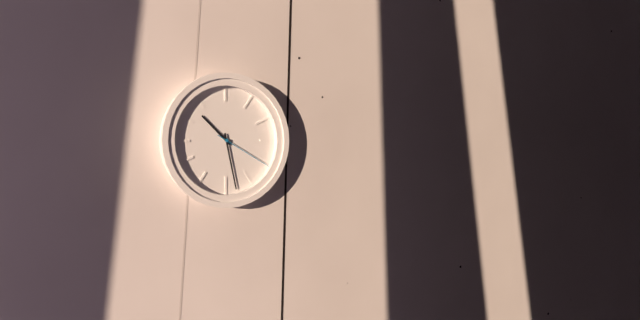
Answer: {"hour": 10, "minute": 28, "second": 20}
